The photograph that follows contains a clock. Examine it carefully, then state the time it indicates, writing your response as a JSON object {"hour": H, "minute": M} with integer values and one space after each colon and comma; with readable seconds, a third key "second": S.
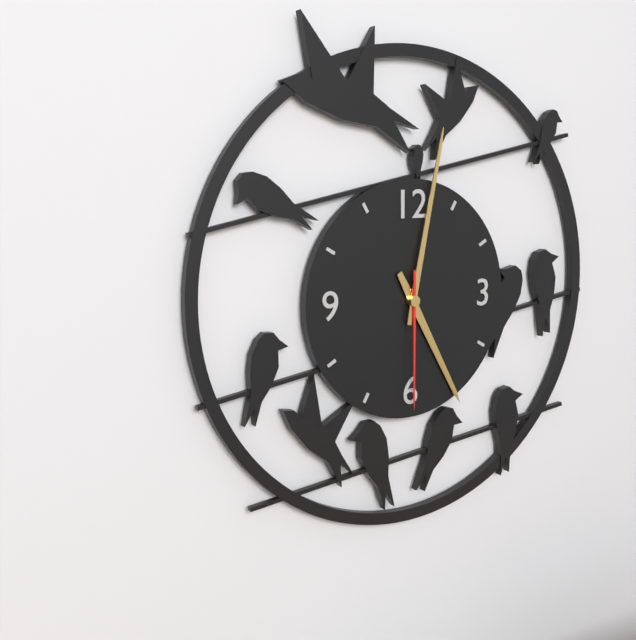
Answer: {"hour": 5, "minute": 2, "second": 30}
